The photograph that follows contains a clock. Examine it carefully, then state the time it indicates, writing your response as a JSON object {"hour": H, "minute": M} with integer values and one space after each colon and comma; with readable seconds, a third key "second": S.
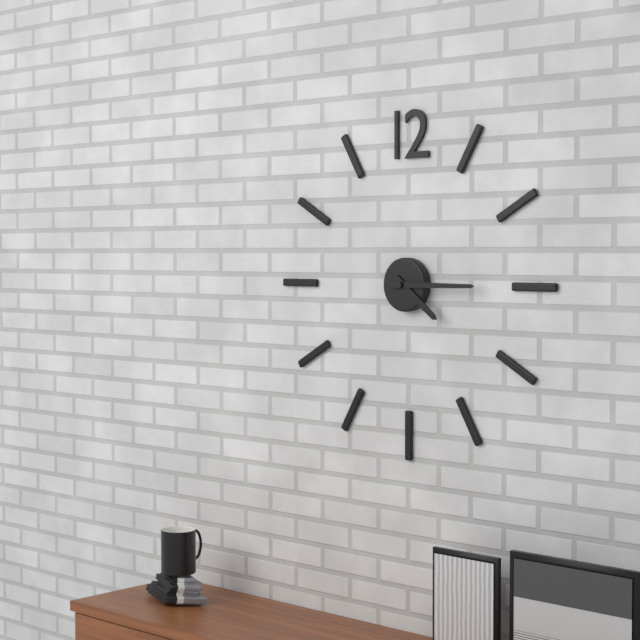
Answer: {"hour": 4, "minute": 15}
